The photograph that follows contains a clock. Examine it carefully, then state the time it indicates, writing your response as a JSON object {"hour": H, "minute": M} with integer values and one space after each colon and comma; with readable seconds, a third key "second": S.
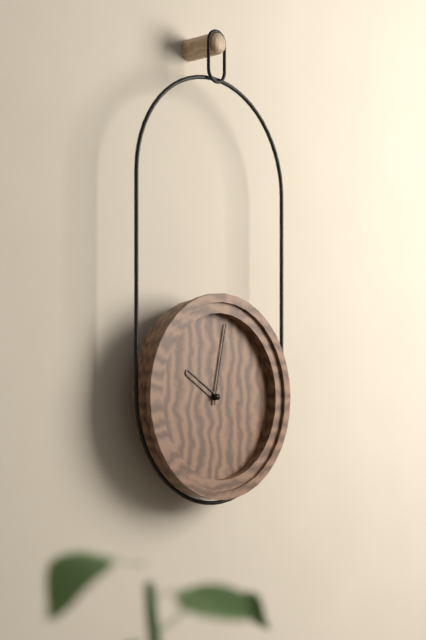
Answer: {"hour": 10, "minute": 2}
